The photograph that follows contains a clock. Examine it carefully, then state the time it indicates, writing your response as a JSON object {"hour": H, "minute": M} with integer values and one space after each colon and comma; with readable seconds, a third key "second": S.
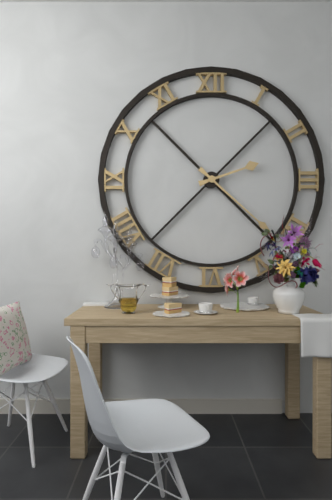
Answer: {"hour": 2, "minute": 22}
